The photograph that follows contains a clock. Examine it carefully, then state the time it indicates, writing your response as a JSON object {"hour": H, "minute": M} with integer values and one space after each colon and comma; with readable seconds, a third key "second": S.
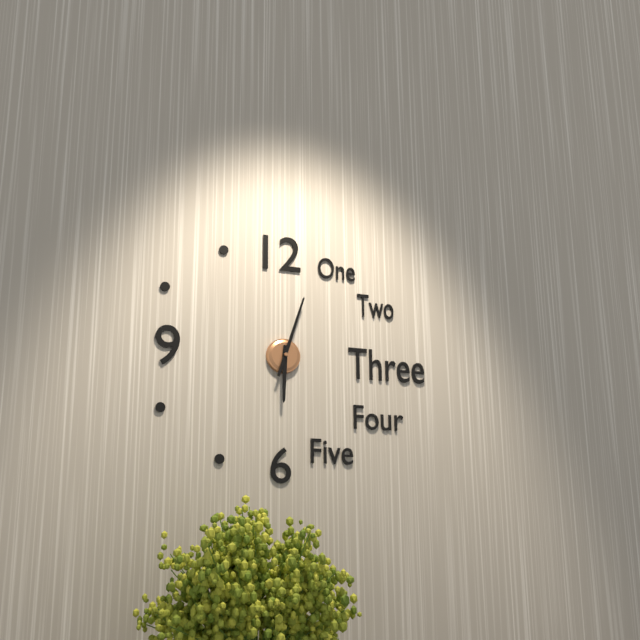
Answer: {"hour": 6, "minute": 3}
